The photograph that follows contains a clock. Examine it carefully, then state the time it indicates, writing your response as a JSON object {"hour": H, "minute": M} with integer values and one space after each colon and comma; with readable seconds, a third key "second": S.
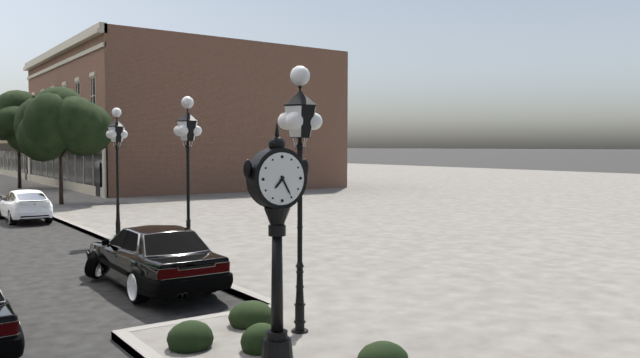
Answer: {"hour": 7, "minute": 25}
